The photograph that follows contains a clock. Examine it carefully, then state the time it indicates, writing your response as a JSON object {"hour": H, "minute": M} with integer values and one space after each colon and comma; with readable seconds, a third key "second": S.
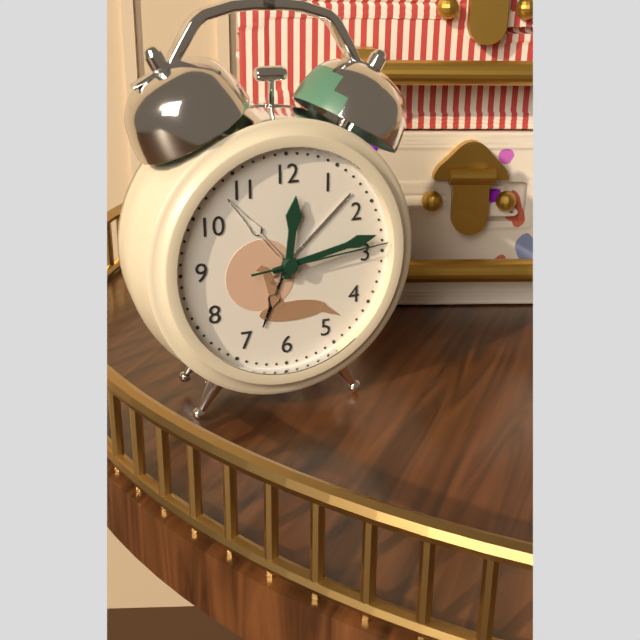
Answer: {"hour": 12, "minute": 13, "second": 14}
